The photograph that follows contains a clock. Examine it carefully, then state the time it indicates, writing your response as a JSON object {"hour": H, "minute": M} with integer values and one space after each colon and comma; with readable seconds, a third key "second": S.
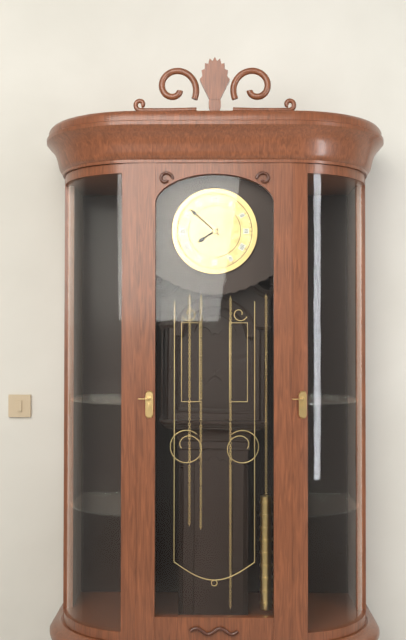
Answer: {"hour": 7, "minute": 52}
